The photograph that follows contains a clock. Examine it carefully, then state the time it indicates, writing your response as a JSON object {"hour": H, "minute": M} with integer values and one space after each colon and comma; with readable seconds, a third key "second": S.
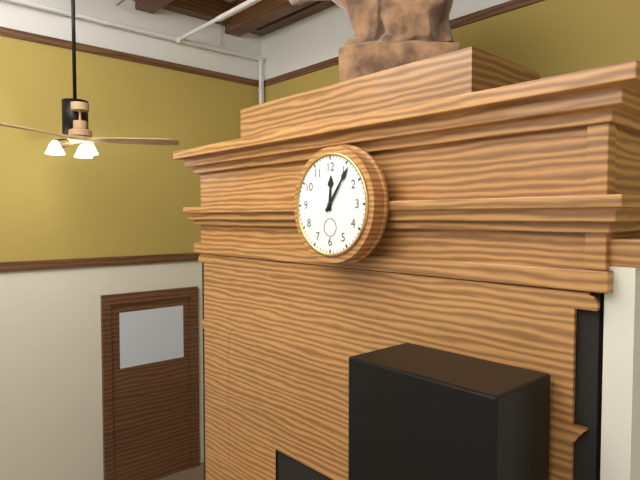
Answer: {"hour": 12, "minute": 6}
